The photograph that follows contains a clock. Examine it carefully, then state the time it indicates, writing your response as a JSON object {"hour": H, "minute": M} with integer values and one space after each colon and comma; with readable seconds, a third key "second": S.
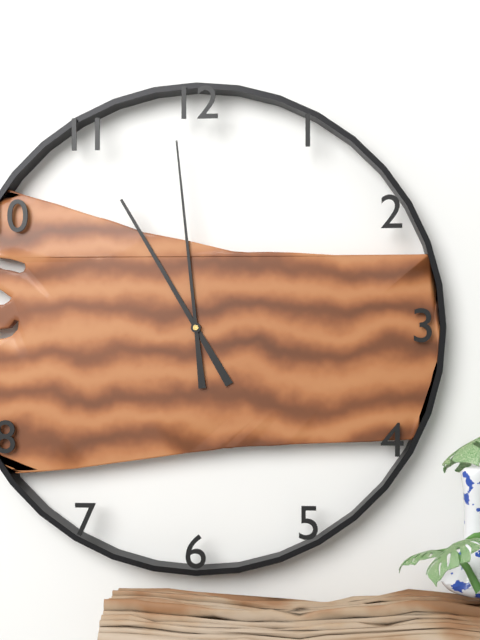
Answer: {"hour": 10, "minute": 59}
